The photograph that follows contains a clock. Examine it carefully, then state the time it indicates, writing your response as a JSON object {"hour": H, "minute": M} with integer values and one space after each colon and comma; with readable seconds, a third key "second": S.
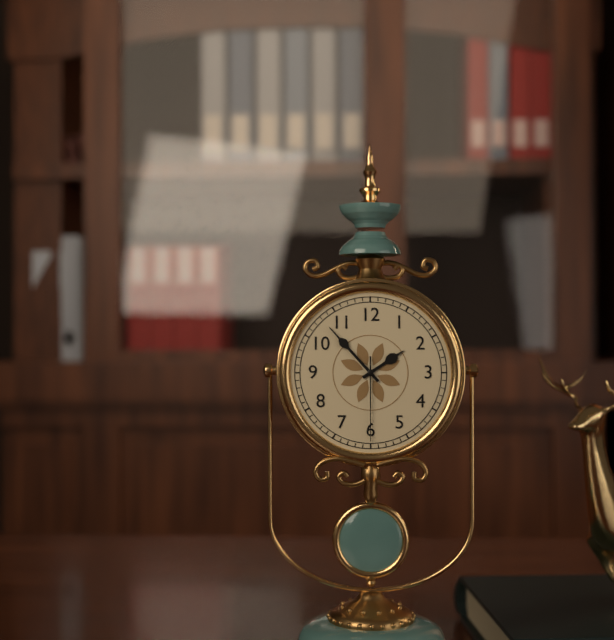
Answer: {"hour": 1, "minute": 53, "second": 30}
